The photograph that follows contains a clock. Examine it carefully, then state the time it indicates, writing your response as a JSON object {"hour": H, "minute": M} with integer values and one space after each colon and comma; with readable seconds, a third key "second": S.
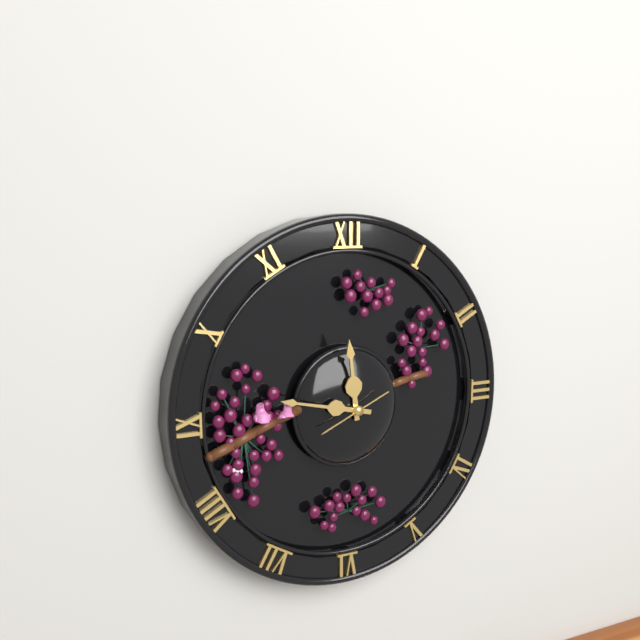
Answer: {"hour": 11, "minute": 47}
